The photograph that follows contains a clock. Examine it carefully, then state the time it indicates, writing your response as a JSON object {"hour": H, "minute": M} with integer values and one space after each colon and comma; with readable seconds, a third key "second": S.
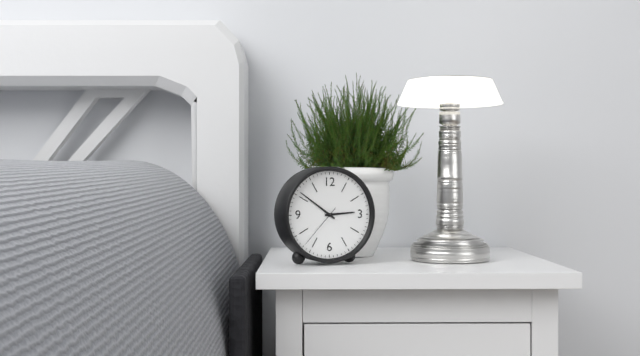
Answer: {"hour": 2, "minute": 51, "second": 37}
